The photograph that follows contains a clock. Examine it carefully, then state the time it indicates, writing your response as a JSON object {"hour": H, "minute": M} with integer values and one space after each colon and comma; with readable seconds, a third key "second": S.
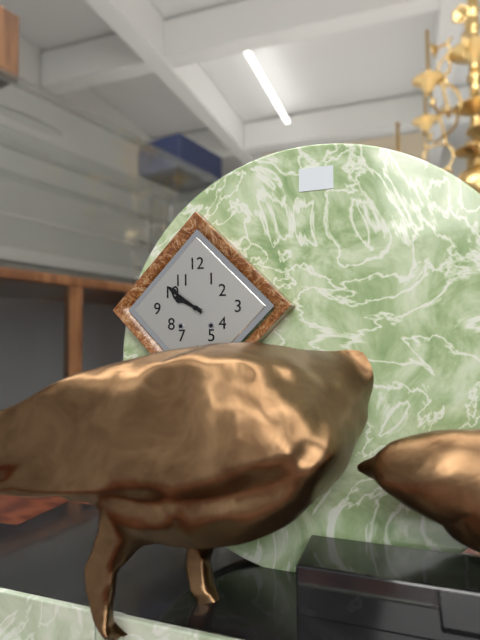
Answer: {"hour": 9, "minute": 51}
